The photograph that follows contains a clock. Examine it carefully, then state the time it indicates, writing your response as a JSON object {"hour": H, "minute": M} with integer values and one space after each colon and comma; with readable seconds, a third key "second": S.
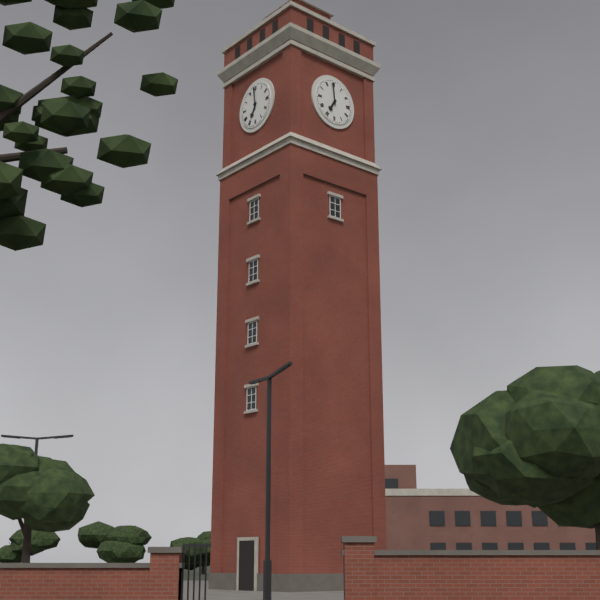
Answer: {"hour": 6, "minute": 59}
